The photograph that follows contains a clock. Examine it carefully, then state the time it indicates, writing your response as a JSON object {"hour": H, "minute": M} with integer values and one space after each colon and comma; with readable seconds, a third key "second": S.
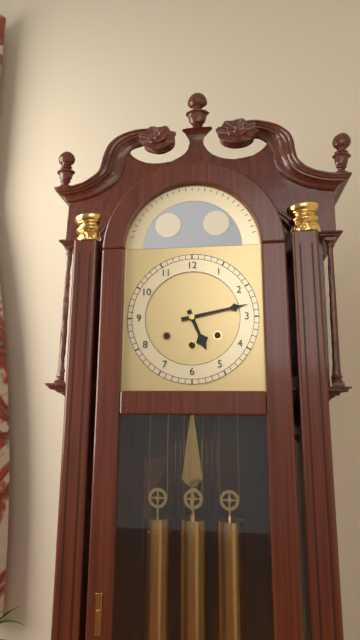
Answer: {"hour": 5, "minute": 13}
